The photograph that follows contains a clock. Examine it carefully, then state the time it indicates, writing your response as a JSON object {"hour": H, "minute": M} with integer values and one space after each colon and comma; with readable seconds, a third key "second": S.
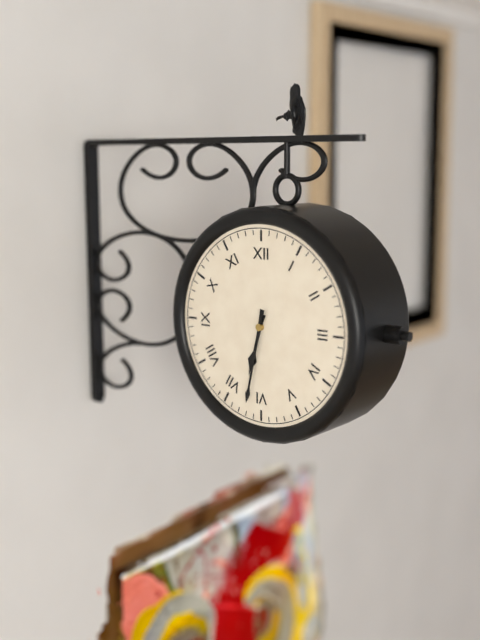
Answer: {"hour": 6, "minute": 32}
